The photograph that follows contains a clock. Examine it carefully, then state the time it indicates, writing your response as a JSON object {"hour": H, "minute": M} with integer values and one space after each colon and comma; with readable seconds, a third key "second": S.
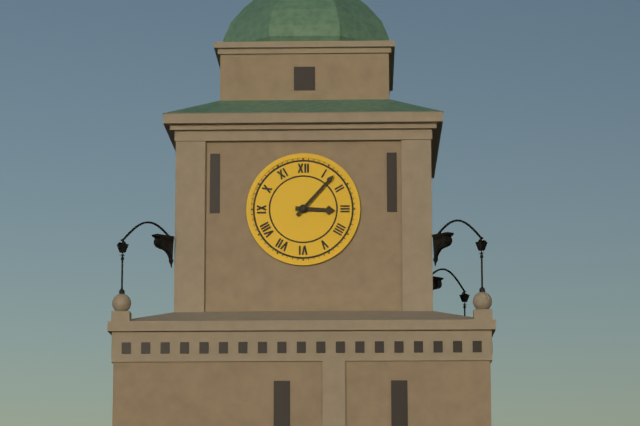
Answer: {"hour": 3, "minute": 7}
